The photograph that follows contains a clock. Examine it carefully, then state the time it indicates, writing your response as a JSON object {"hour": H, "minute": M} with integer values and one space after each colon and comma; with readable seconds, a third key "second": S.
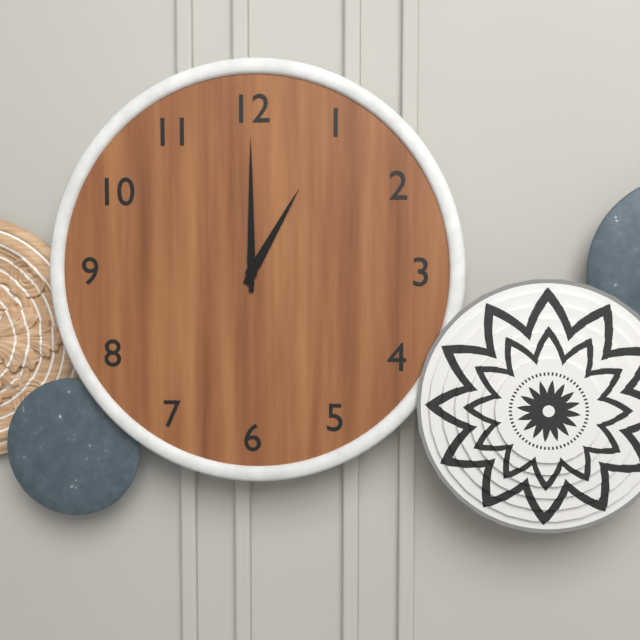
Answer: {"hour": 1, "minute": 0}
